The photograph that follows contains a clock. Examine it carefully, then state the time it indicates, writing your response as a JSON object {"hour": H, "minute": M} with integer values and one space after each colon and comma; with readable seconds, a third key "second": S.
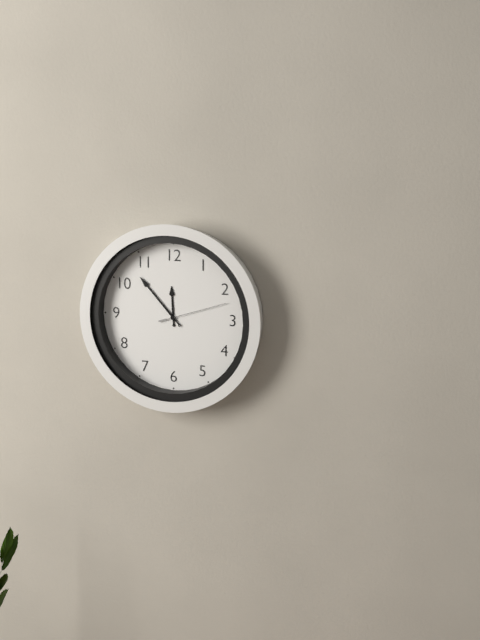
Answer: {"hour": 11, "minute": 53, "second": 12}
